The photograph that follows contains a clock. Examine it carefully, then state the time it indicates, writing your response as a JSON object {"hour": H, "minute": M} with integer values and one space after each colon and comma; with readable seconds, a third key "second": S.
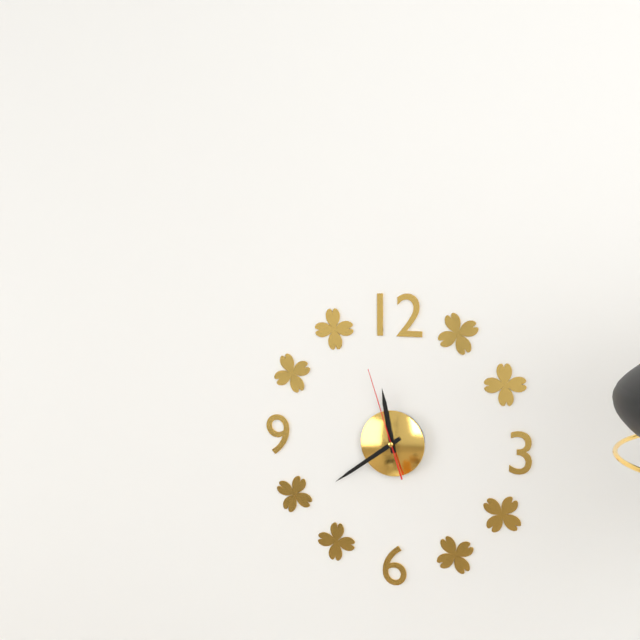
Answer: {"hour": 11, "minute": 39, "second": 57}
